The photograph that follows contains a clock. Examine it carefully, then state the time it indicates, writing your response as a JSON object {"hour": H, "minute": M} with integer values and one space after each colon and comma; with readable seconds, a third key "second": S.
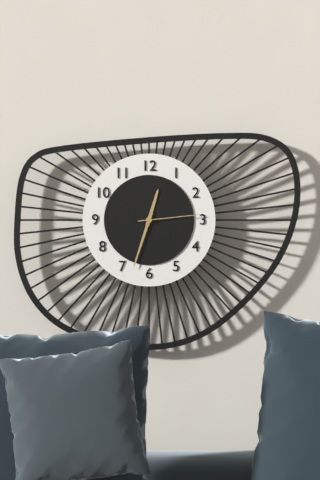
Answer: {"hour": 12, "minute": 33, "second": 14}
